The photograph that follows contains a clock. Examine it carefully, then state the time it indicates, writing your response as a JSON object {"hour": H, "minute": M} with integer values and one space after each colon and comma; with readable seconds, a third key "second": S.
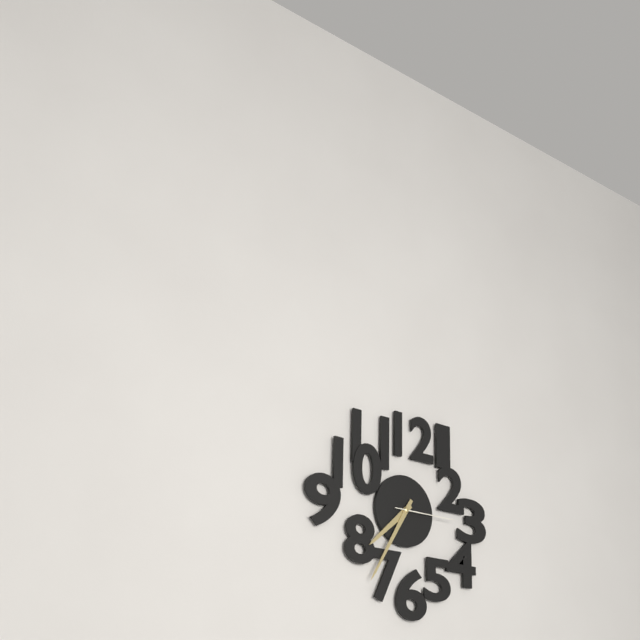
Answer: {"hour": 7, "minute": 35, "second": 15}
